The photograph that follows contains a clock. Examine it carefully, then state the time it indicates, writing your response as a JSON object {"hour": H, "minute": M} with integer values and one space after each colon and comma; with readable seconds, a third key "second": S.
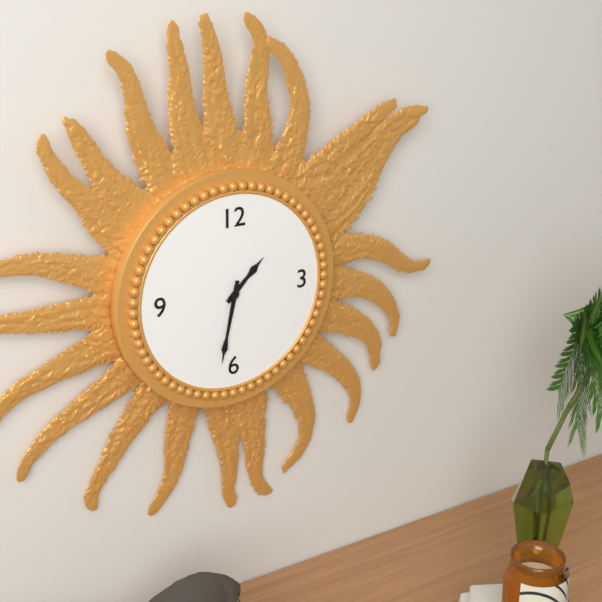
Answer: {"hour": 1, "minute": 32}
